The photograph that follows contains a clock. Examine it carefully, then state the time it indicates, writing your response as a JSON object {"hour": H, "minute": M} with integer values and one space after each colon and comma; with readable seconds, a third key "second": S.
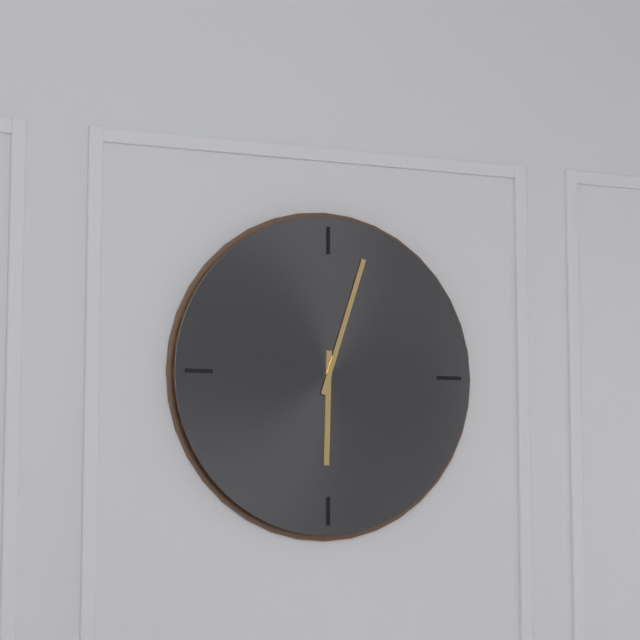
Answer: {"hour": 6, "minute": 3}
